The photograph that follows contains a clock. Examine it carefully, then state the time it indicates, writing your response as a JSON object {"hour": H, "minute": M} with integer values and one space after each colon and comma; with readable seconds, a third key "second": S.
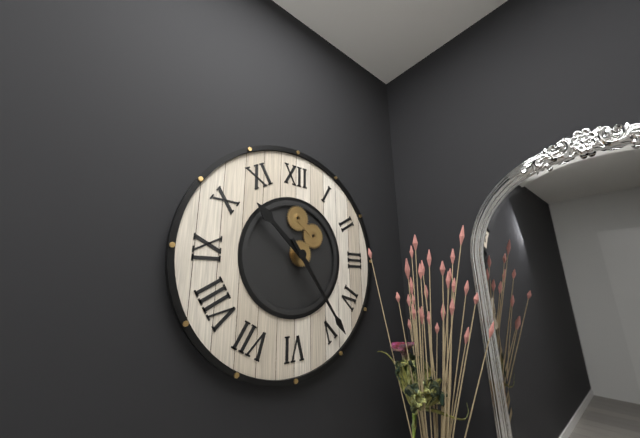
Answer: {"hour": 10, "minute": 24}
